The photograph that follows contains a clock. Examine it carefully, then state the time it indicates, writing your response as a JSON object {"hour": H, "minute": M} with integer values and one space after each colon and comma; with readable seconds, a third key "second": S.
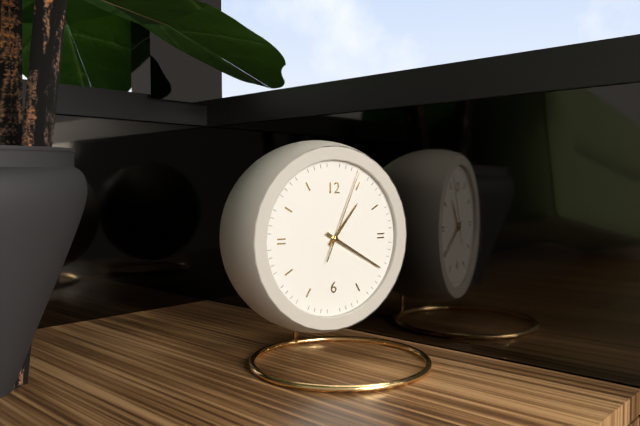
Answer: {"hour": 1, "minute": 20, "second": 4}
